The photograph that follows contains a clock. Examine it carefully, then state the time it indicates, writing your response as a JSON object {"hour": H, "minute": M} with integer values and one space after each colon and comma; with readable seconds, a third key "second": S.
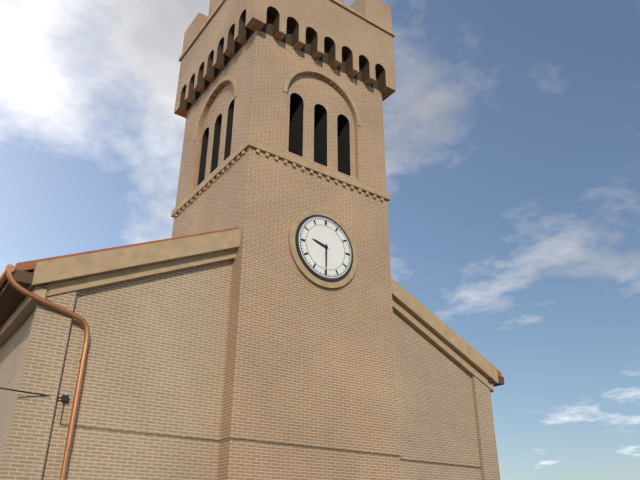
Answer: {"hour": 9, "minute": 30}
